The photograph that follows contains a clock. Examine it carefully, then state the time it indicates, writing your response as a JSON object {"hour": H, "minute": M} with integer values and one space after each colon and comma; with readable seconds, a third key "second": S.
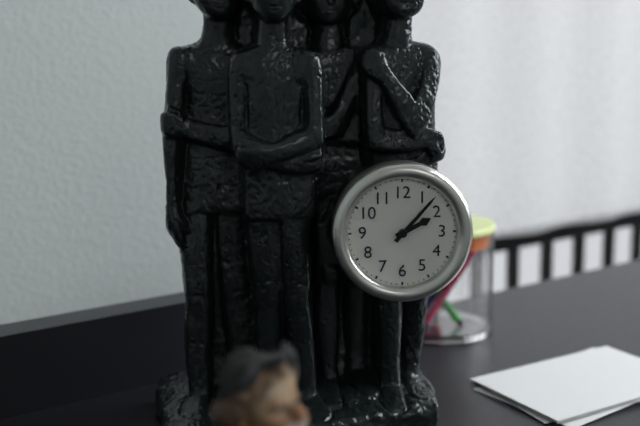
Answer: {"hour": 2, "minute": 7}
